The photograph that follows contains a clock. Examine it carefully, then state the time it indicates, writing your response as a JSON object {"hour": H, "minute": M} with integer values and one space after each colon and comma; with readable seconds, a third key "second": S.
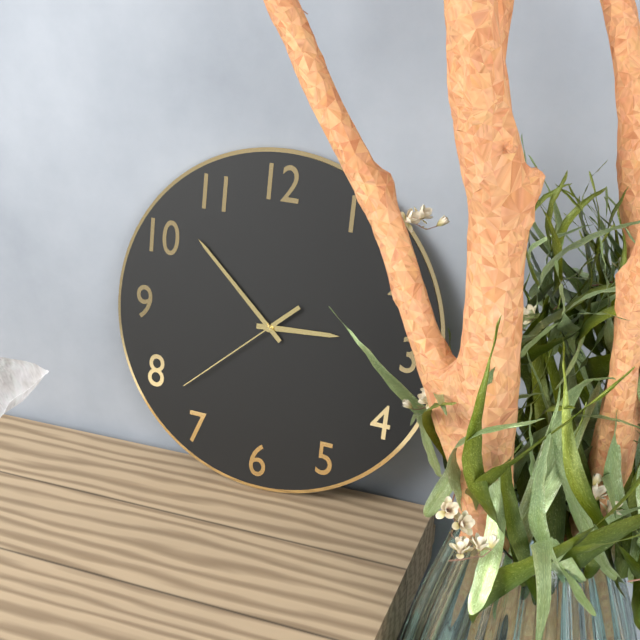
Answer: {"hour": 2, "minute": 52, "second": 38}
